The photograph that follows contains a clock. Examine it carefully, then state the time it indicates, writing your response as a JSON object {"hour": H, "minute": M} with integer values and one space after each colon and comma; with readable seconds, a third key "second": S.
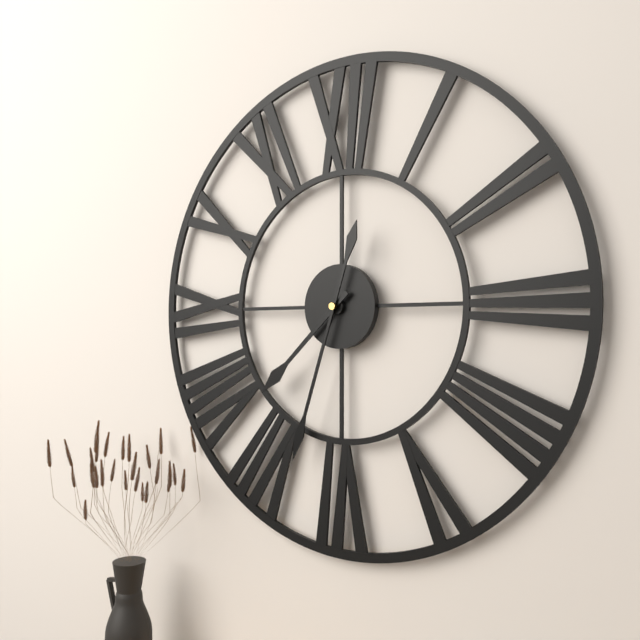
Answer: {"hour": 7, "minute": 33}
